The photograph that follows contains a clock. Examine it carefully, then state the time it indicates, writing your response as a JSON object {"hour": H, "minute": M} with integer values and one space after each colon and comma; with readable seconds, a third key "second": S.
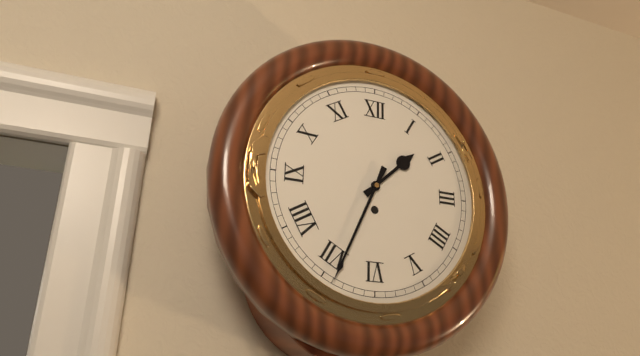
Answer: {"hour": 1, "minute": 34}
